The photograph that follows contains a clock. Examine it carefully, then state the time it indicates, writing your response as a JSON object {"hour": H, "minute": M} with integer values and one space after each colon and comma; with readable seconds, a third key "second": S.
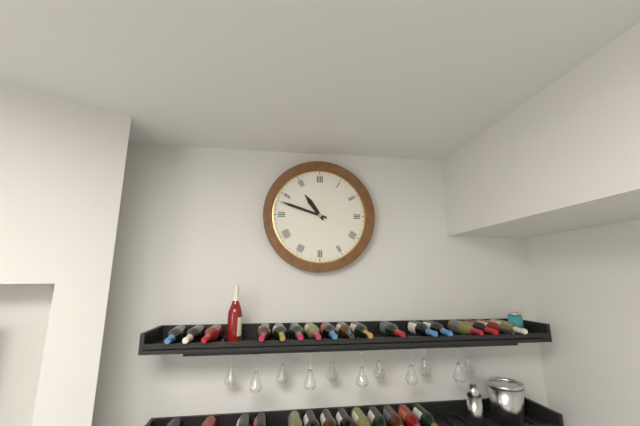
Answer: {"hour": 10, "minute": 48}
